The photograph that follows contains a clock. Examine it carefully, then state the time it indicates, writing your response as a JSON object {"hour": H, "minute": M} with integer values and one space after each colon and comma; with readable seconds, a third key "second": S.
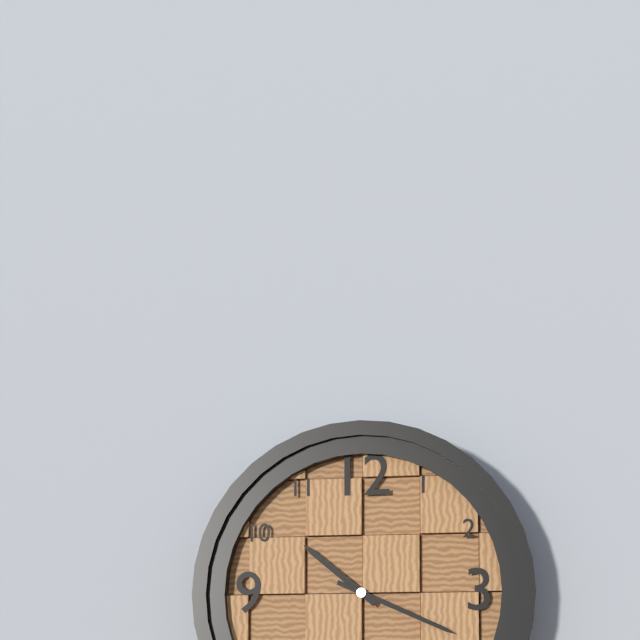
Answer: {"hour": 10, "minute": 19}
